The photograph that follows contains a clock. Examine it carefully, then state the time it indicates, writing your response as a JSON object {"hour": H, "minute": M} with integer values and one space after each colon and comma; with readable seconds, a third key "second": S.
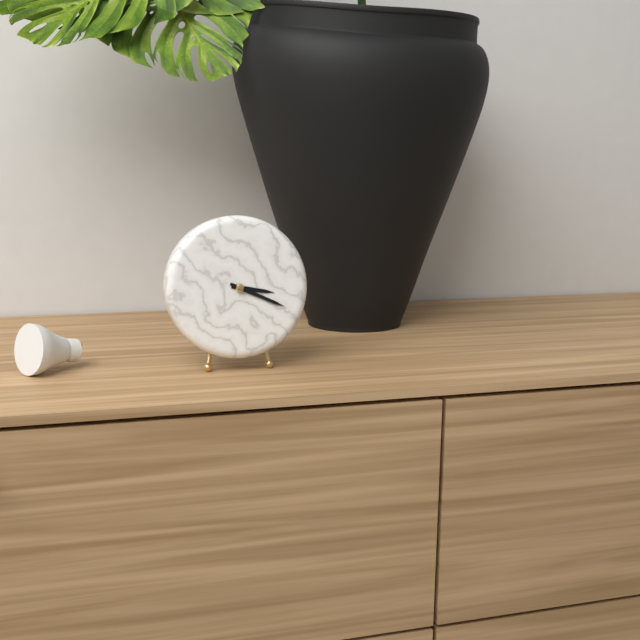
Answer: {"hour": 3, "minute": 19}
